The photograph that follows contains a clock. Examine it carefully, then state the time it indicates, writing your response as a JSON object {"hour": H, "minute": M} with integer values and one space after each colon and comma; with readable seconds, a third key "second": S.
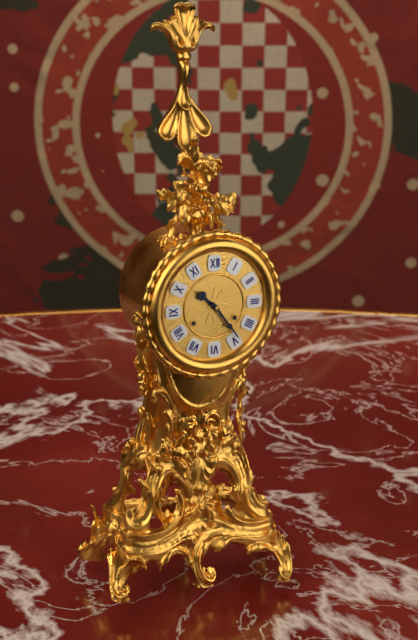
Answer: {"hour": 10, "minute": 24}
